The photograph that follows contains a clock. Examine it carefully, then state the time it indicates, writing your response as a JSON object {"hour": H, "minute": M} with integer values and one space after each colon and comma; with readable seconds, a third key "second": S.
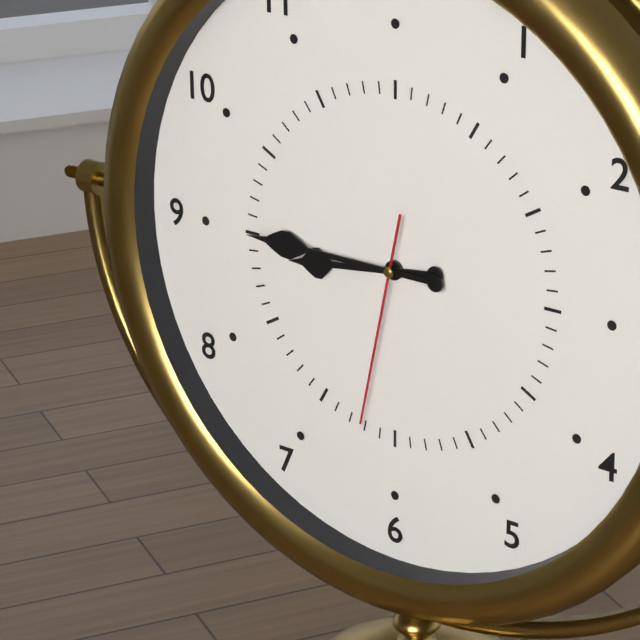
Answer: {"hour": 8, "minute": 45, "second": 32}
